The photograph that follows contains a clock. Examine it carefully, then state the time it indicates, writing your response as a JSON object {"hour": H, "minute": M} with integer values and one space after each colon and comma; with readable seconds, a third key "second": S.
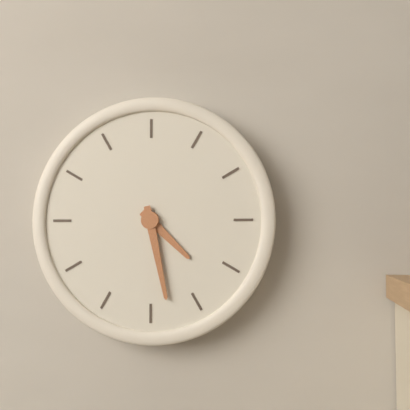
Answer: {"hour": 4, "minute": 28}
